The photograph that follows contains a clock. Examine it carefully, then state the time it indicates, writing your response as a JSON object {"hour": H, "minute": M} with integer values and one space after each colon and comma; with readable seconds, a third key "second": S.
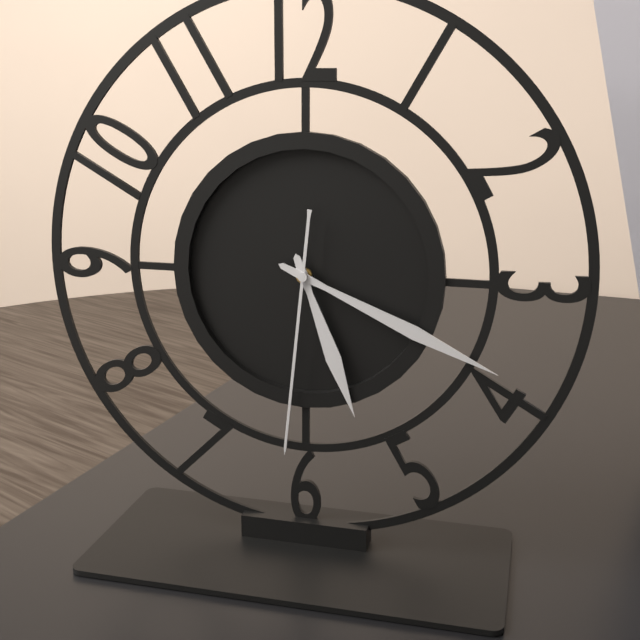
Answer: {"hour": 5, "minute": 19, "second": 31}
